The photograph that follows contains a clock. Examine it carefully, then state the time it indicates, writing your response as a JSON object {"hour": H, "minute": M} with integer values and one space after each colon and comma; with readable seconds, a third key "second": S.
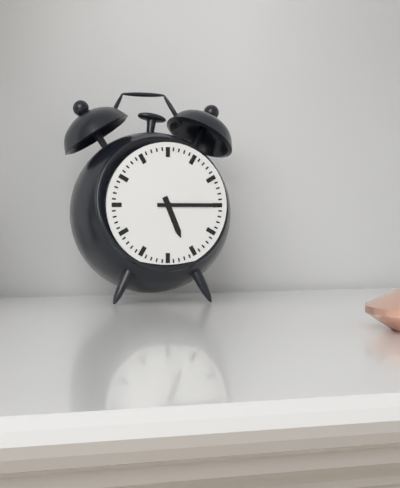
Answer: {"hour": 5, "minute": 15}
